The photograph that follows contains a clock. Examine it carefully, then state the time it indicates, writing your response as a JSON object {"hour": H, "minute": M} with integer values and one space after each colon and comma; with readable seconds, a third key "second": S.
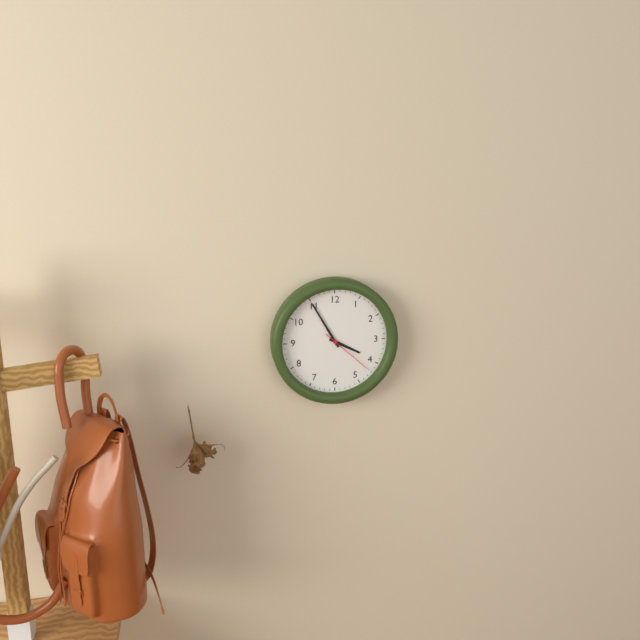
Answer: {"hour": 3, "minute": 55, "second": 22}
